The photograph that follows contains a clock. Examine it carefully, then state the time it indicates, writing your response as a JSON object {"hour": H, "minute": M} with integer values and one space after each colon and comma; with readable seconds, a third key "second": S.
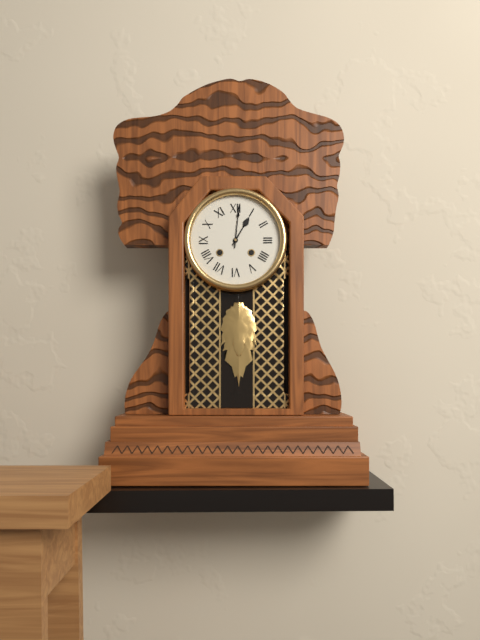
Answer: {"hour": 1, "minute": 1}
